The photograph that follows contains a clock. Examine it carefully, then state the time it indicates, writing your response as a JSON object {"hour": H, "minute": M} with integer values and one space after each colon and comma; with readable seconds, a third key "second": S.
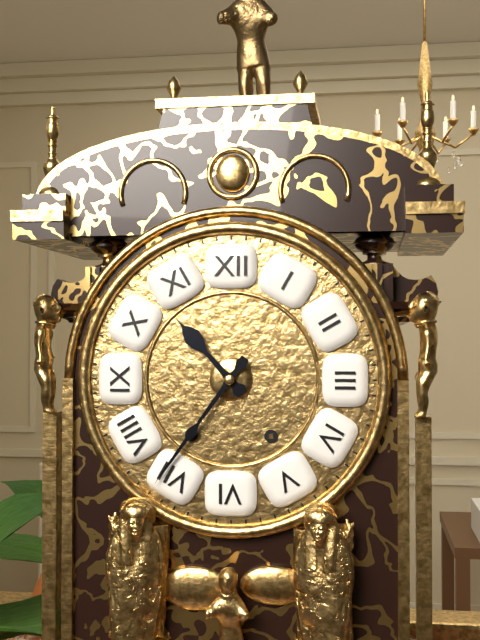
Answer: {"hour": 10, "minute": 36}
